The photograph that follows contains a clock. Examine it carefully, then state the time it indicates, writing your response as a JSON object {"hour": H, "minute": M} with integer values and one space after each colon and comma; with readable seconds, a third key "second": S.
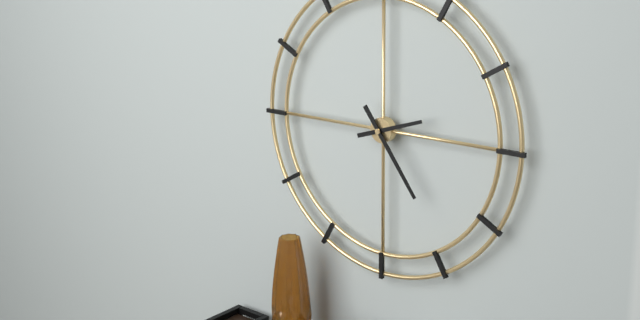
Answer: {"hour": 2, "minute": 24}
